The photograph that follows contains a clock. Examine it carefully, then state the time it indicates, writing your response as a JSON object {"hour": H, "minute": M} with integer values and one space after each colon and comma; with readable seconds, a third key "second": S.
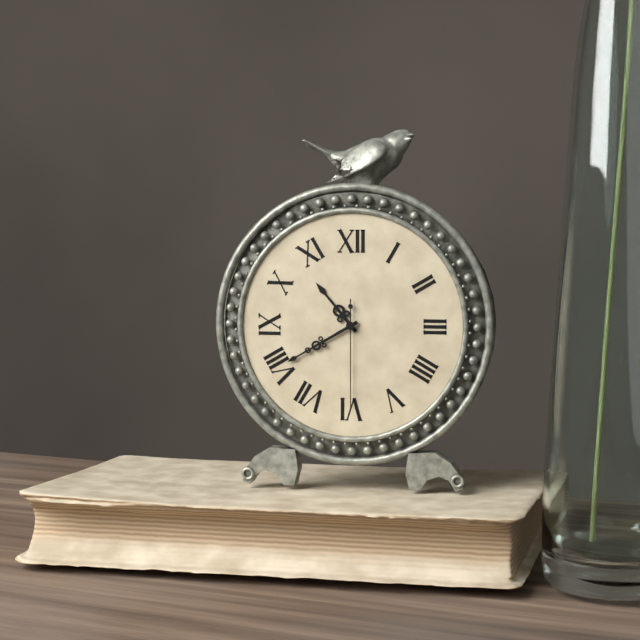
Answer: {"hour": 10, "minute": 40, "second": 30}
